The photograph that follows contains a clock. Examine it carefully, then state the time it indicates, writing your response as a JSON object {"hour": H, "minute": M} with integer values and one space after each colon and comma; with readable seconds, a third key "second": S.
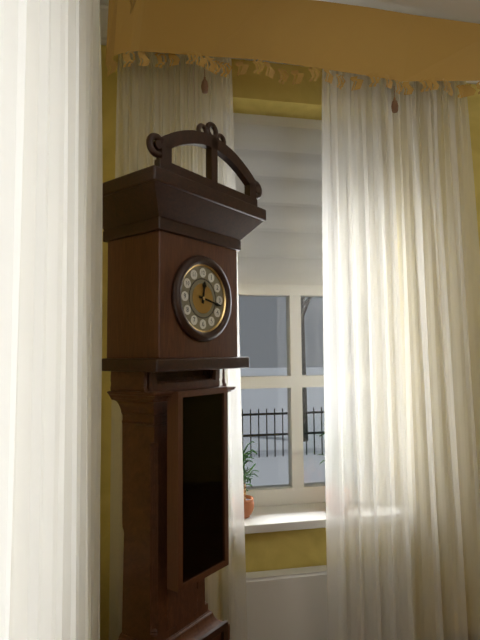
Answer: {"hour": 12, "minute": 17}
